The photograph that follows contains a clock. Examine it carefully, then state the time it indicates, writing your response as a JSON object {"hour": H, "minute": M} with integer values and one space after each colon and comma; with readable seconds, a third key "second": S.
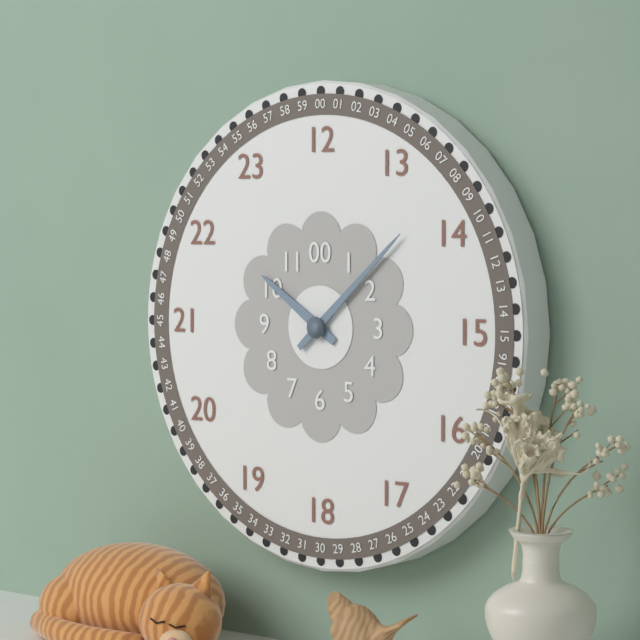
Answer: {"hour": 10, "minute": 8}
